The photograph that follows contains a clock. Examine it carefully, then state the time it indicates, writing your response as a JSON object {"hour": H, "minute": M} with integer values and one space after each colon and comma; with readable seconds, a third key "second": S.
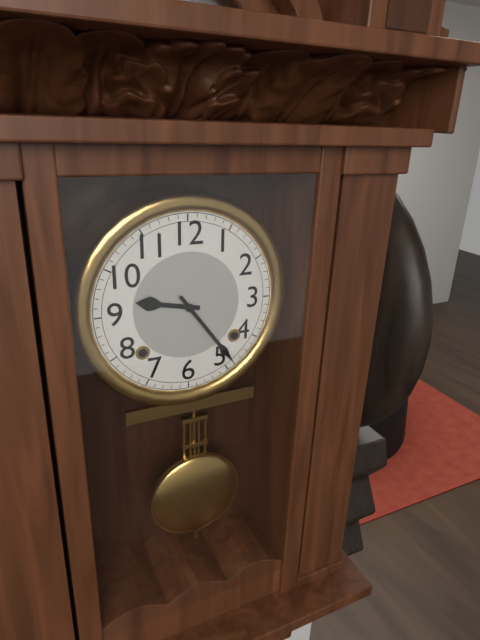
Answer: {"hour": 9, "minute": 24}
